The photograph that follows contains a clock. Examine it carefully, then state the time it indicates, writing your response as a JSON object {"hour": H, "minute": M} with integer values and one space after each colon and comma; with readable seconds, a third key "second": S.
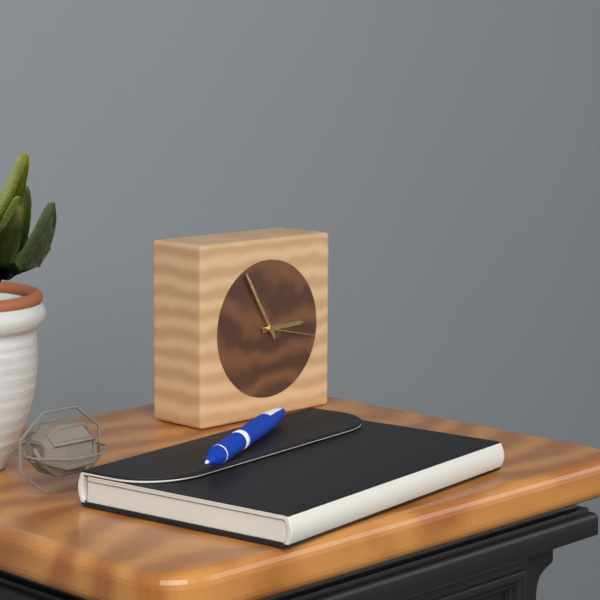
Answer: {"hour": 2, "minute": 55, "second": 17}
